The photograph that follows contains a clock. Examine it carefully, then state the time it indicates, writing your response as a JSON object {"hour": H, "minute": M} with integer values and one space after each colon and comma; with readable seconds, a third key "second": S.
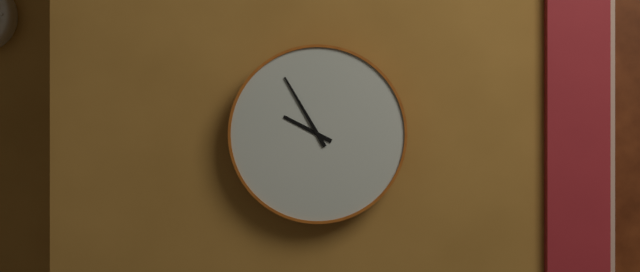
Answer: {"hour": 9, "minute": 55}
